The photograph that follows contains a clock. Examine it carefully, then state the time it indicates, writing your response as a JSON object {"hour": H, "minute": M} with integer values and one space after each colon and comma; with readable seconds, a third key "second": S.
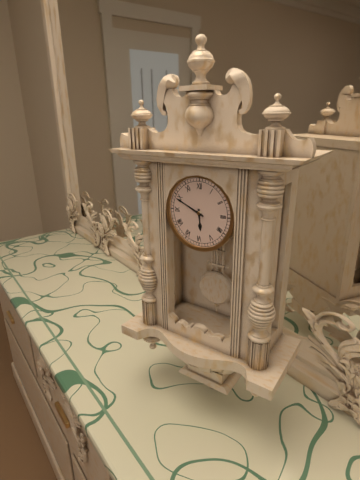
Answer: {"hour": 5, "minute": 49}
